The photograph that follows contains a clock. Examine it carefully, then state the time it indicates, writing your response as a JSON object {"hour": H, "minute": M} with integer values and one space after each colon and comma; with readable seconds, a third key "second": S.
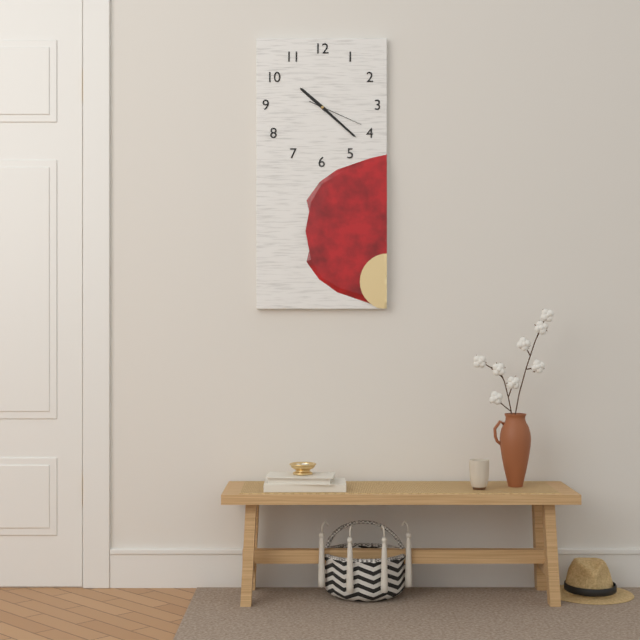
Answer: {"hour": 10, "minute": 22, "second": 19}
